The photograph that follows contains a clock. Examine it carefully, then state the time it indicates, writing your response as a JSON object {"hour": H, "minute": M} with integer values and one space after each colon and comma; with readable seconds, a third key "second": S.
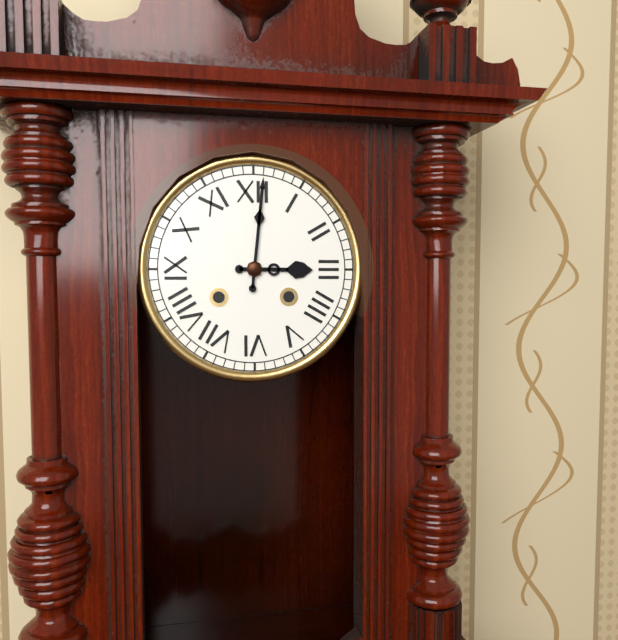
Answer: {"hour": 3, "minute": 1}
